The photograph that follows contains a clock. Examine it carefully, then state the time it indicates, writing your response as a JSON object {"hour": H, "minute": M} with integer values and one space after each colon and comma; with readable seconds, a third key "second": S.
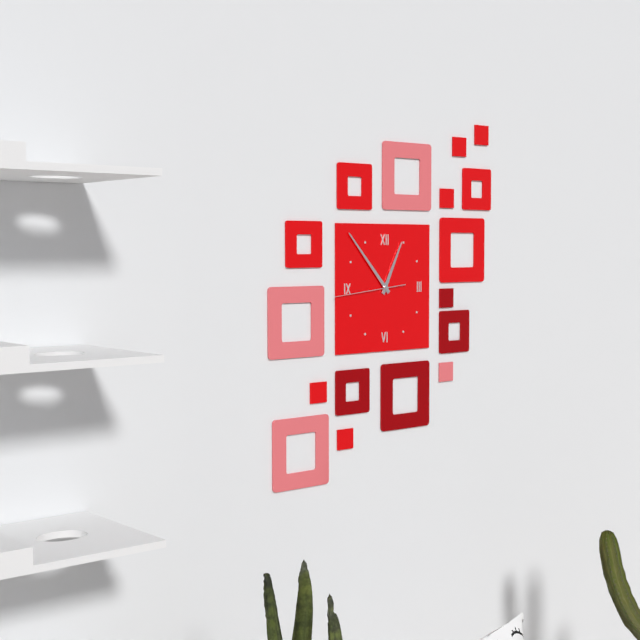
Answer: {"hour": 12, "minute": 53, "second": 44}
